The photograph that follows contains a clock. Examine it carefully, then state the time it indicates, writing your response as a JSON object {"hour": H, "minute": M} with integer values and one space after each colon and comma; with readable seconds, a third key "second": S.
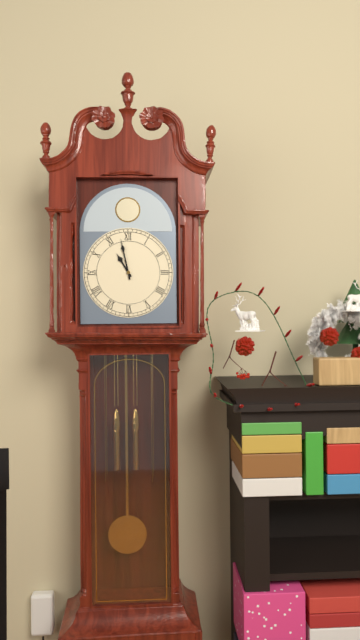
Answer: {"hour": 10, "minute": 58}
